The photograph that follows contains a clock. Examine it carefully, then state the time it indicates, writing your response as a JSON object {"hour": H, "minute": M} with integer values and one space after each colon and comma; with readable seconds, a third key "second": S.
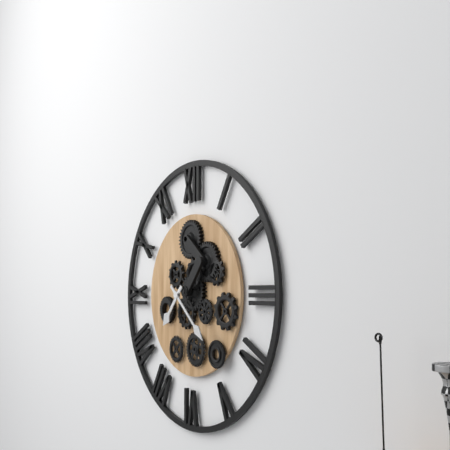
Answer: {"hour": 7, "minute": 22}
